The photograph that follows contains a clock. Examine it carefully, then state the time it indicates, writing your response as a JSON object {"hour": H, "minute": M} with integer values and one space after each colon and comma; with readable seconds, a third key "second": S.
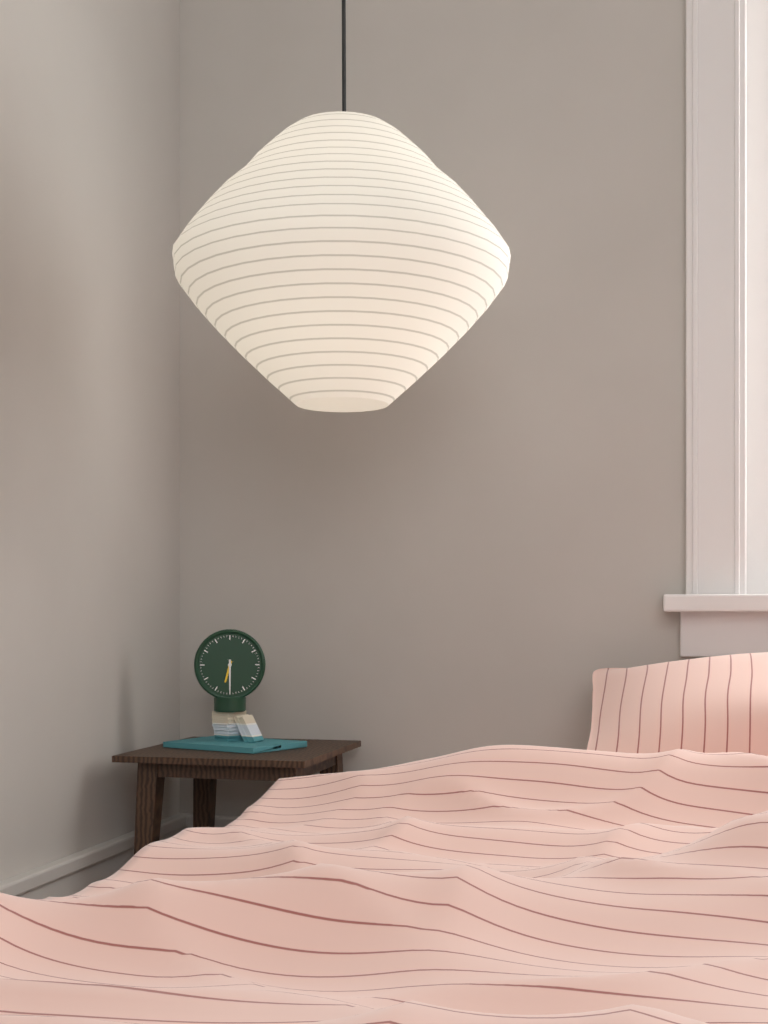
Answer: {"hour": 6, "minute": 30}
